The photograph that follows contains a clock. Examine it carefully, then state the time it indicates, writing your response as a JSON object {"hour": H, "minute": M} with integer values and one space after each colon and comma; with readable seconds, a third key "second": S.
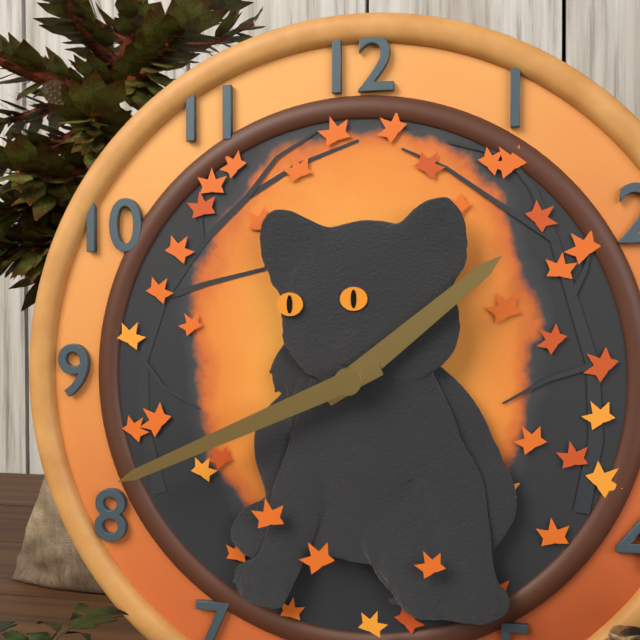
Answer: {"hour": 1, "minute": 41}
